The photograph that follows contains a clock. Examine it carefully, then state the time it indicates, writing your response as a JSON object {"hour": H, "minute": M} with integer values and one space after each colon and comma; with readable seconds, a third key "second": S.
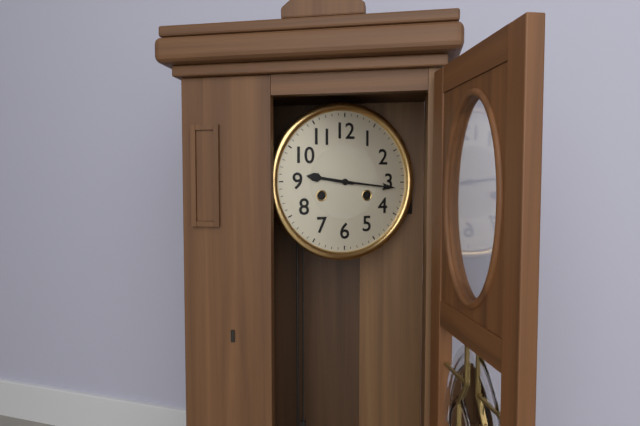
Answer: {"hour": 9, "minute": 16}
